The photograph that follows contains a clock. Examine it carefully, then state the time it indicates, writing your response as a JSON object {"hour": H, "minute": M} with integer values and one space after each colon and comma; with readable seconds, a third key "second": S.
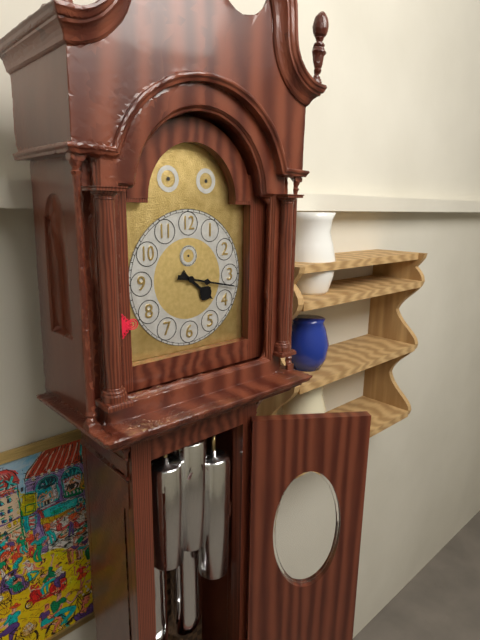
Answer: {"hour": 4, "minute": 17}
